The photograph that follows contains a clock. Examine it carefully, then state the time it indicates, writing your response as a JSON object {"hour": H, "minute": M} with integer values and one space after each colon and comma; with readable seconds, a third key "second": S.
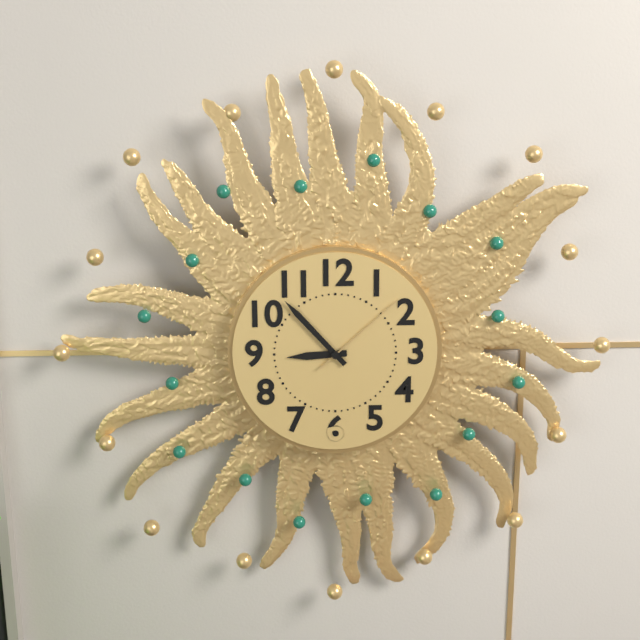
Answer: {"hour": 8, "minute": 53, "second": 8}
